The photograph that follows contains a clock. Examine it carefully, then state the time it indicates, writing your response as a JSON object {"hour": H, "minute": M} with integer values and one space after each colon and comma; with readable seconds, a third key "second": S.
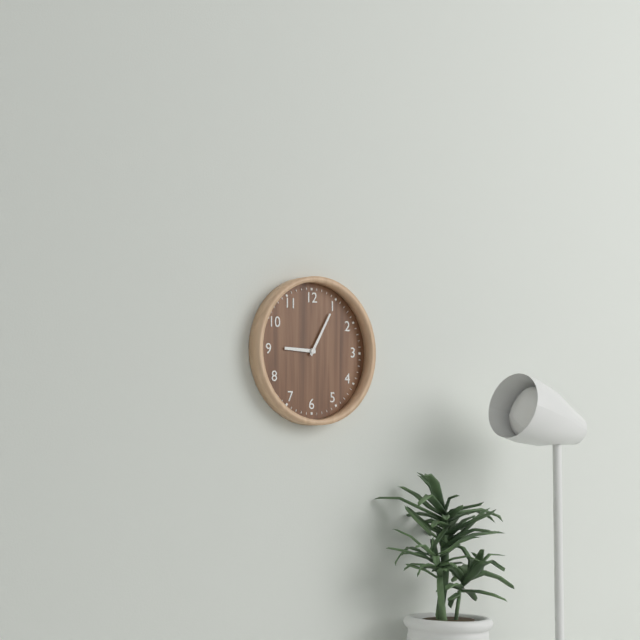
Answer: {"hour": 9, "minute": 5}
